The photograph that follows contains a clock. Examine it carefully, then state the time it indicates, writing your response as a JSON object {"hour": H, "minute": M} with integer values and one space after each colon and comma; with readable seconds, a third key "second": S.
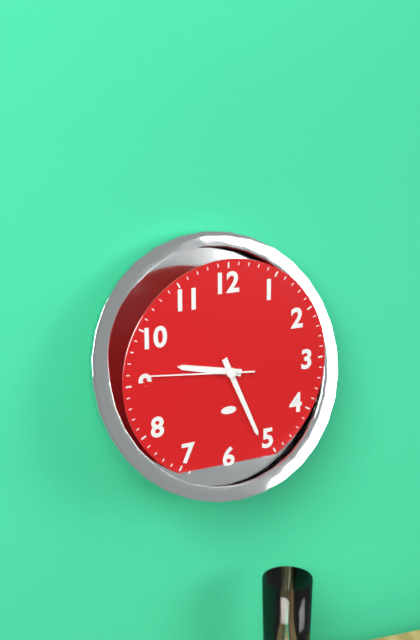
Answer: {"hour": 9, "minute": 26, "second": 46}
